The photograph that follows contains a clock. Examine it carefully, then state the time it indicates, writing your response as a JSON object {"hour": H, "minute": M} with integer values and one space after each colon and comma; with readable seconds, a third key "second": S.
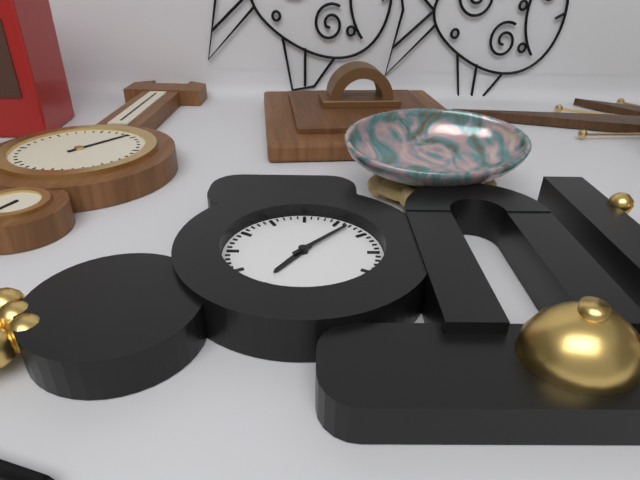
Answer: {"hour": 7, "minute": 7}
